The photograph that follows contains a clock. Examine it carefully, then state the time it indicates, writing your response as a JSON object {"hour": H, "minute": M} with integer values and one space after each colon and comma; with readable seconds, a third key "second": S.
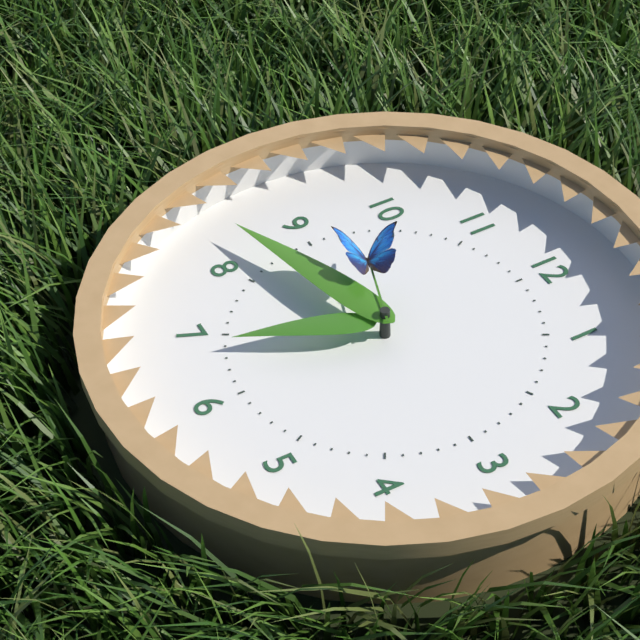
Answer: {"hour": 6, "minute": 42, "second": 48}
